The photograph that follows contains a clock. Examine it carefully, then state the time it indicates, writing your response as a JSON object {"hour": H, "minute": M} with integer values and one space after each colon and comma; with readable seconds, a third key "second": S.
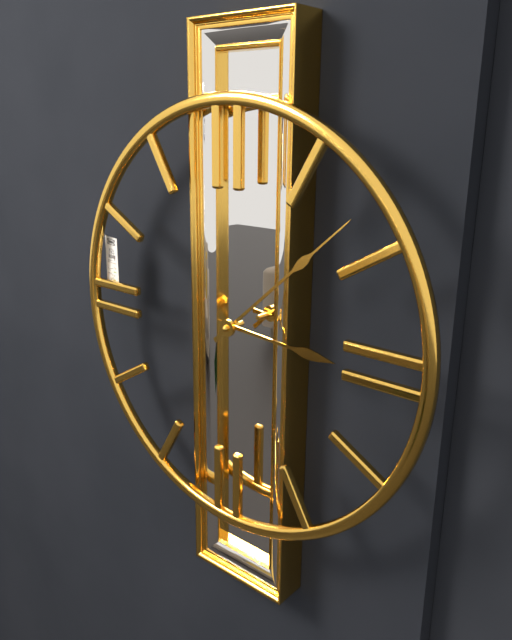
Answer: {"hour": 3, "minute": 8}
